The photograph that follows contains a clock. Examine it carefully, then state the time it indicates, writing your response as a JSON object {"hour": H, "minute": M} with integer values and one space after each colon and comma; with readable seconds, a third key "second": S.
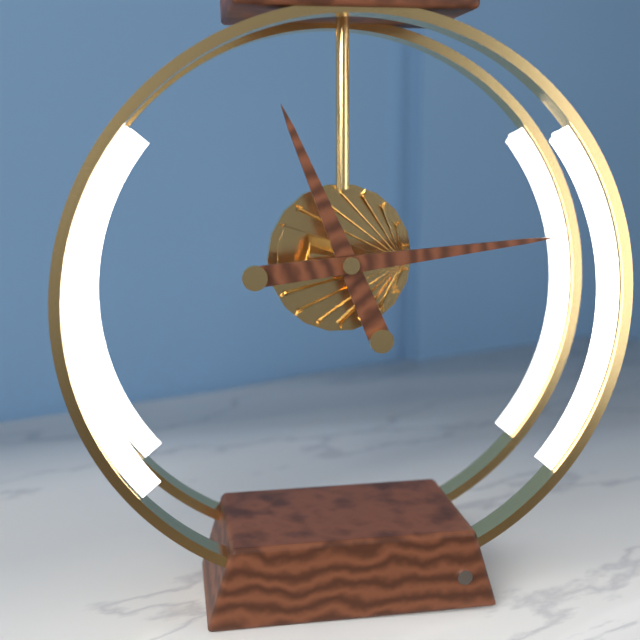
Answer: {"hour": 11, "minute": 14}
